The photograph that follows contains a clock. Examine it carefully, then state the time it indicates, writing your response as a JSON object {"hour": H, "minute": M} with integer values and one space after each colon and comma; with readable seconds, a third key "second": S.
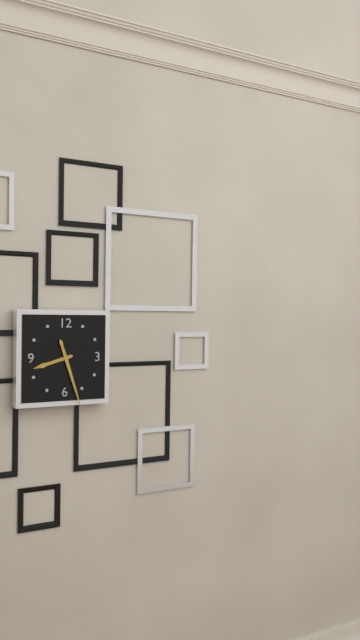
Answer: {"hour": 8, "minute": 27}
